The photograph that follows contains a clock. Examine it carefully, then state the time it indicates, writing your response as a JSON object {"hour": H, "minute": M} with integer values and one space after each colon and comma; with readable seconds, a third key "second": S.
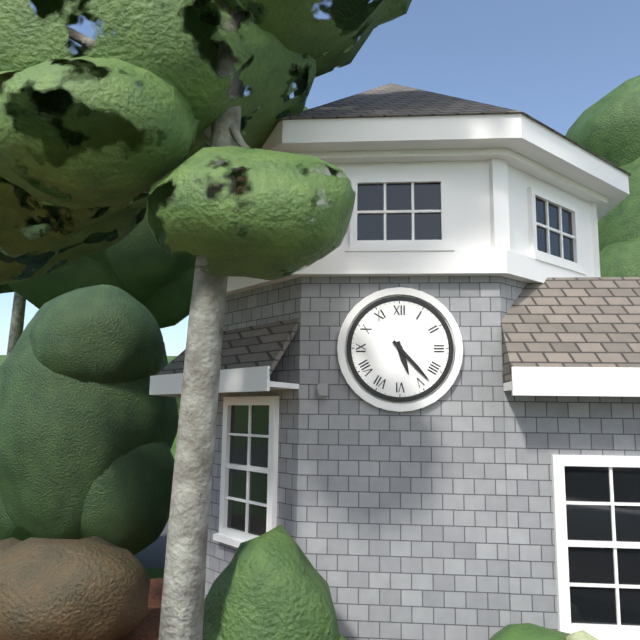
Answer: {"hour": 5, "minute": 23}
